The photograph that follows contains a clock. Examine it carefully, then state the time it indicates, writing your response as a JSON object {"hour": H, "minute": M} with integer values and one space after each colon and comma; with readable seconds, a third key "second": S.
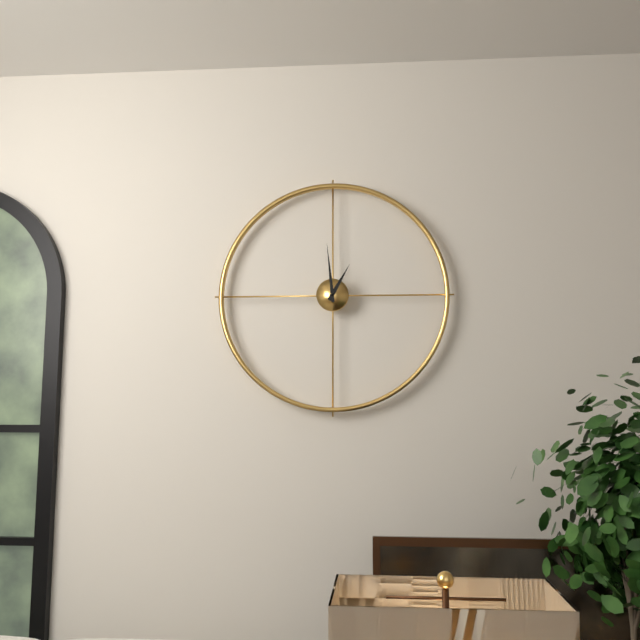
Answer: {"hour": 12, "minute": 59}
